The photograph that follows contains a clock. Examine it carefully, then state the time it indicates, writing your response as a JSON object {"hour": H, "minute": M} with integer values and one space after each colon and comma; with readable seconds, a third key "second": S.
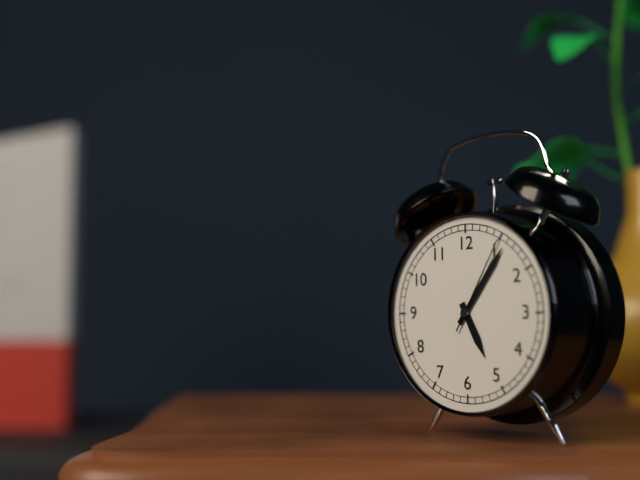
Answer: {"hour": 5, "minute": 6, "second": 5}
